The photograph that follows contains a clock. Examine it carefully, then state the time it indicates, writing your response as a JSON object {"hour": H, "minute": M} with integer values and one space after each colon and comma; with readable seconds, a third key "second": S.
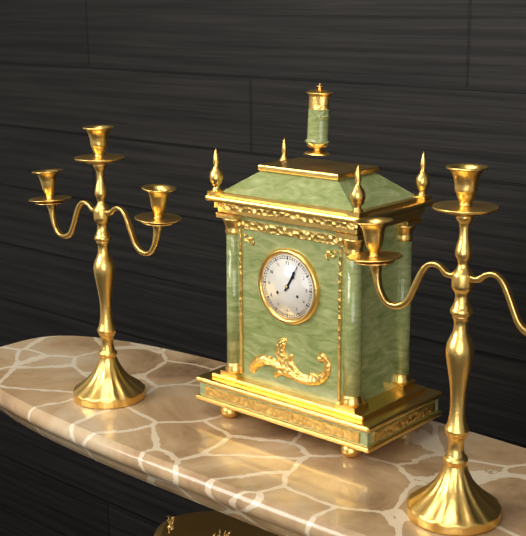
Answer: {"hour": 1, "minute": 5}
